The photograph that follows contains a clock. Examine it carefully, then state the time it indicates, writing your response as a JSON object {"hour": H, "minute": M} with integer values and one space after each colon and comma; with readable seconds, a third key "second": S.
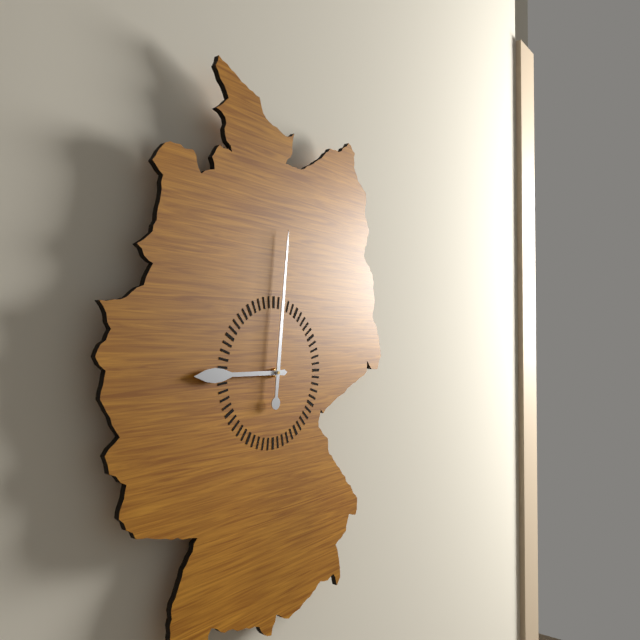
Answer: {"hour": 9, "minute": 1}
